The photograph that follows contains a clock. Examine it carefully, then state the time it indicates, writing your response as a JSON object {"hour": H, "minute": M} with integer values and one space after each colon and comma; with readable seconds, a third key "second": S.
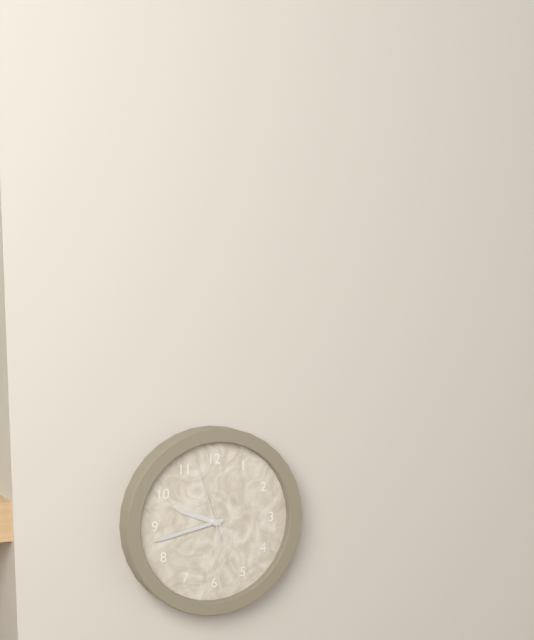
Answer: {"hour": 9, "minute": 43, "second": 57}
